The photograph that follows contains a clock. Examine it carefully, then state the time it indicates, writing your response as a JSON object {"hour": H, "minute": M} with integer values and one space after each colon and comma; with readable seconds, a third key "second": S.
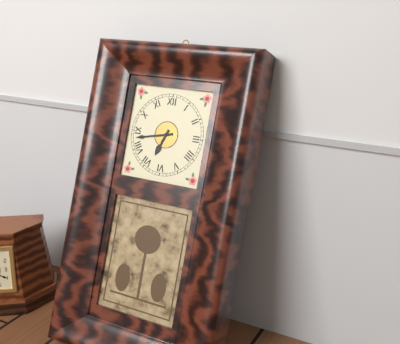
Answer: {"hour": 6, "minute": 43}
